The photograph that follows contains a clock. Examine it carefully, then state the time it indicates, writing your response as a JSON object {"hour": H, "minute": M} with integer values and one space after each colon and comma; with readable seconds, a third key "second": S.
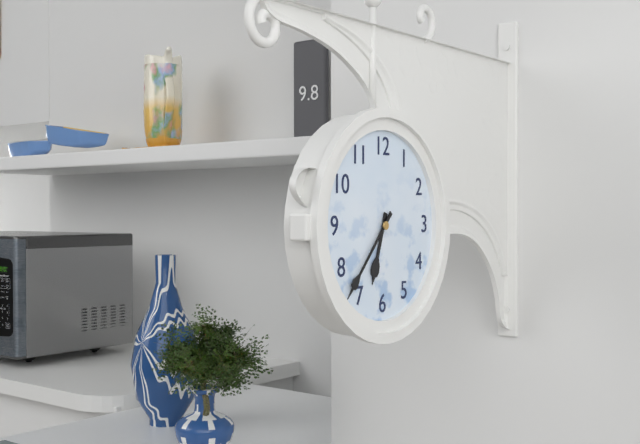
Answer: {"hour": 6, "minute": 37}
